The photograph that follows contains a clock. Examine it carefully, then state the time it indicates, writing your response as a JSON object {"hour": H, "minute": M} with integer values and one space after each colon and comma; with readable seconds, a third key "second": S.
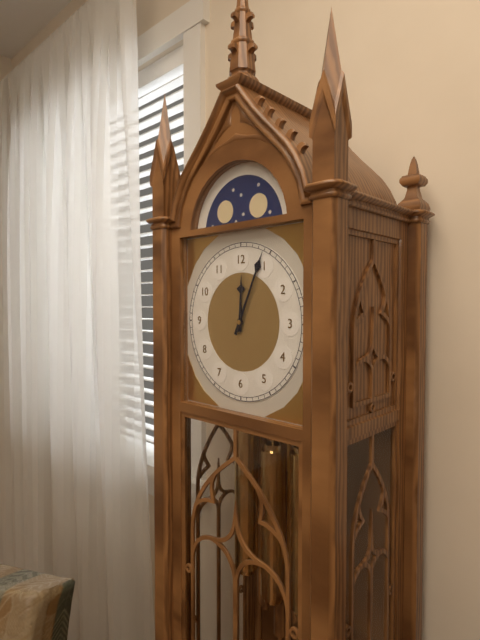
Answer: {"hour": 12, "minute": 4}
